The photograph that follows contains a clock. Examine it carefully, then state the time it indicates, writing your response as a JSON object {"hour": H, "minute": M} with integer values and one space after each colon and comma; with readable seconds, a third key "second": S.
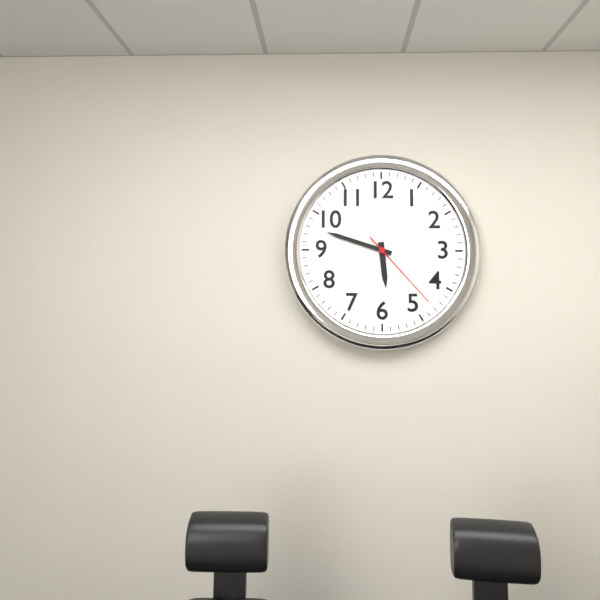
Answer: {"hour": 5, "minute": 48, "second": 23}
